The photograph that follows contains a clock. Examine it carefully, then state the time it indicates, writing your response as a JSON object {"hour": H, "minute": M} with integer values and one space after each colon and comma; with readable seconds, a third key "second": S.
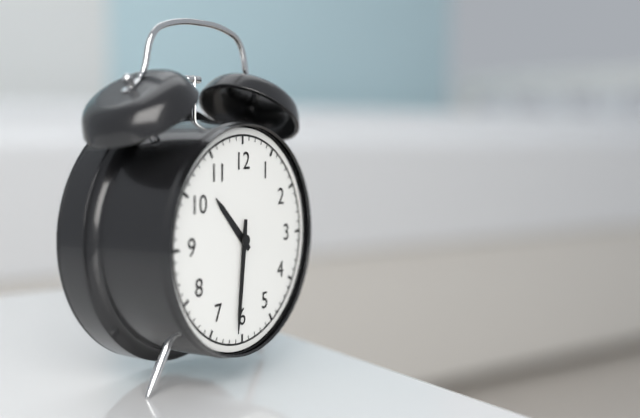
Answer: {"hour": 10, "minute": 31}
